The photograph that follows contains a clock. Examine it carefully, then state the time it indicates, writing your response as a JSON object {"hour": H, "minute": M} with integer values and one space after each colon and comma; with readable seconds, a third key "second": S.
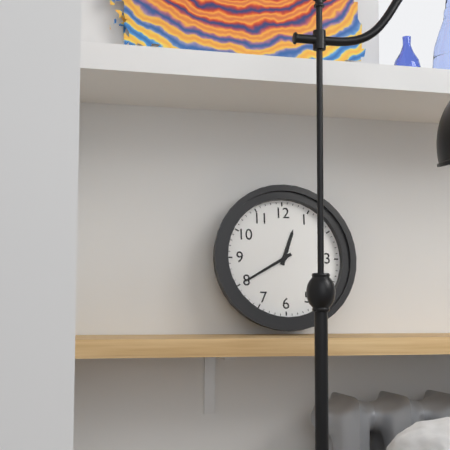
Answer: {"hour": 12, "minute": 40}
